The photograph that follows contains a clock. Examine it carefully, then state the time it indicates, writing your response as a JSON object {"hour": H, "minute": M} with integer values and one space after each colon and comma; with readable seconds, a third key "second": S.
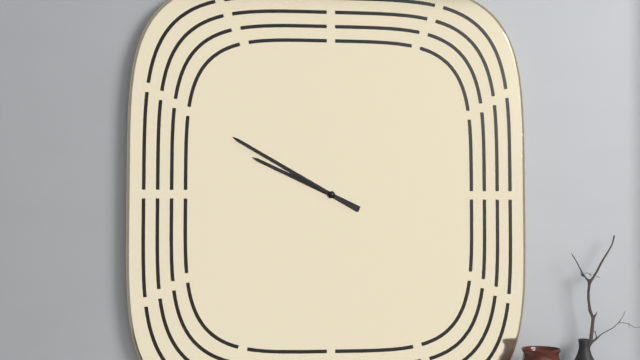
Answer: {"hour": 9, "minute": 50}
